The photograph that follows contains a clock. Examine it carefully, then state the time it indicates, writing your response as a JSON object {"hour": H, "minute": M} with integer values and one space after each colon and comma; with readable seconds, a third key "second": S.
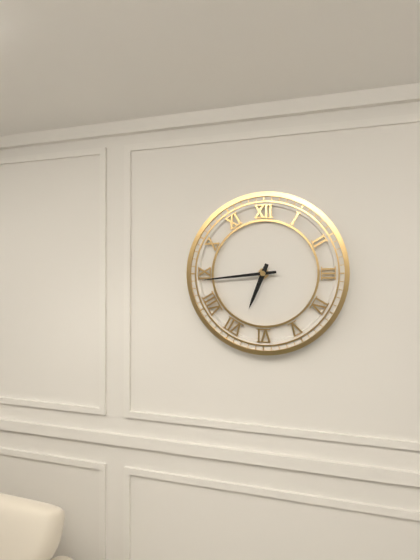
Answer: {"hour": 6, "minute": 44}
